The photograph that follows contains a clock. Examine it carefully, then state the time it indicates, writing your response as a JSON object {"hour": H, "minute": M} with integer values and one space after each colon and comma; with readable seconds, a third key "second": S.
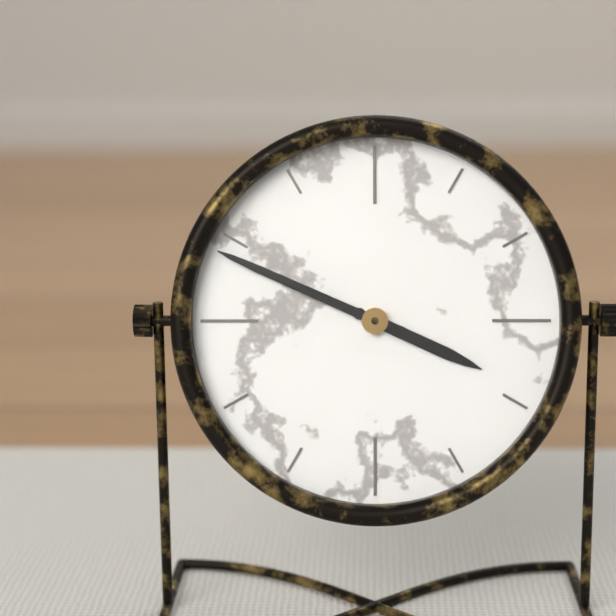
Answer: {"hour": 3, "minute": 49}
